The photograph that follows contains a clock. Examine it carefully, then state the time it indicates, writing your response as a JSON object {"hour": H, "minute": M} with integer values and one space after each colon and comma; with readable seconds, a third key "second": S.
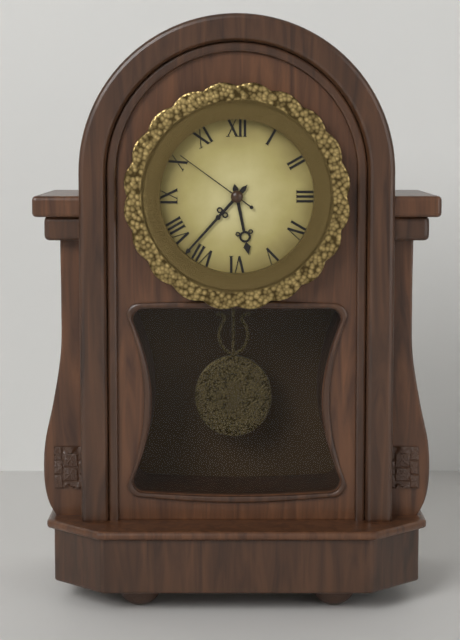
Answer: {"hour": 5, "minute": 37, "second": 51}
